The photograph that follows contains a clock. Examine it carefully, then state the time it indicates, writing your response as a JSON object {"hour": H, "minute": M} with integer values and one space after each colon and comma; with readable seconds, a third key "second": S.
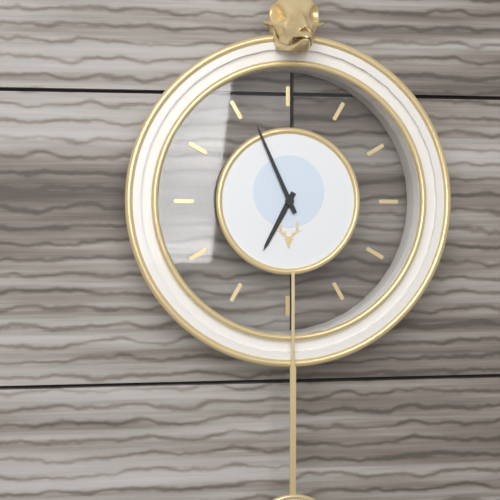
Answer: {"hour": 6, "minute": 56}
